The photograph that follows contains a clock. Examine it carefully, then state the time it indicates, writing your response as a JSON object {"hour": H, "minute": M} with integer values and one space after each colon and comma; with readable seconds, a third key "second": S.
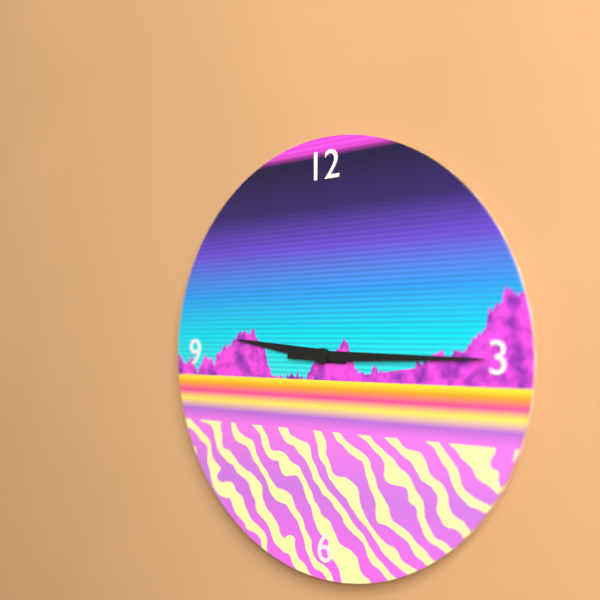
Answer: {"hour": 9, "minute": 15}
